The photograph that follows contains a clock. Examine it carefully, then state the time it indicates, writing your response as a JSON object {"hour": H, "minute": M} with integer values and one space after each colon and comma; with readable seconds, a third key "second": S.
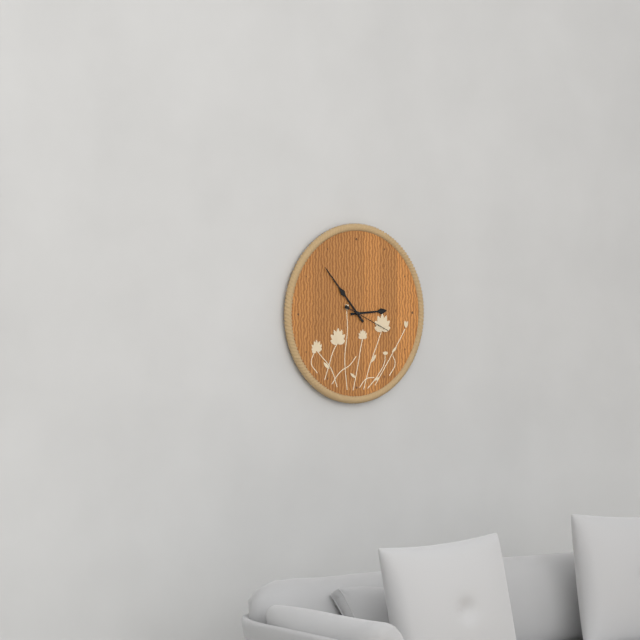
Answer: {"hour": 2, "minute": 53, "second": 19}
